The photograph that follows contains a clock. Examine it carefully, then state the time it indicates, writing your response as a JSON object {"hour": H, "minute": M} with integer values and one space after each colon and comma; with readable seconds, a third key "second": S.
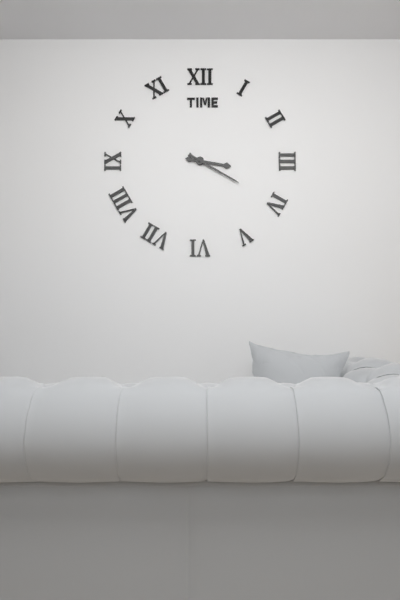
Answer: {"hour": 3, "minute": 20}
